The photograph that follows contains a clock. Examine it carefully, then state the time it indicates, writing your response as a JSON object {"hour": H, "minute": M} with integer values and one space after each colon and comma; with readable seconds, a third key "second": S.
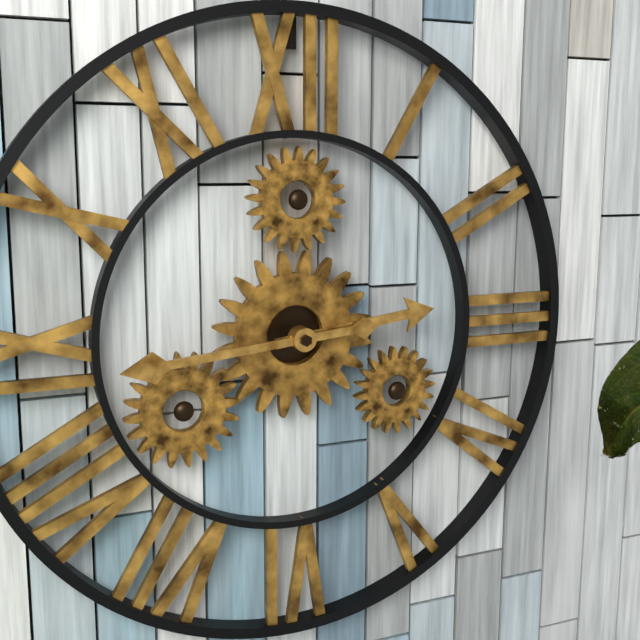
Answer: {"hour": 2, "minute": 44}
